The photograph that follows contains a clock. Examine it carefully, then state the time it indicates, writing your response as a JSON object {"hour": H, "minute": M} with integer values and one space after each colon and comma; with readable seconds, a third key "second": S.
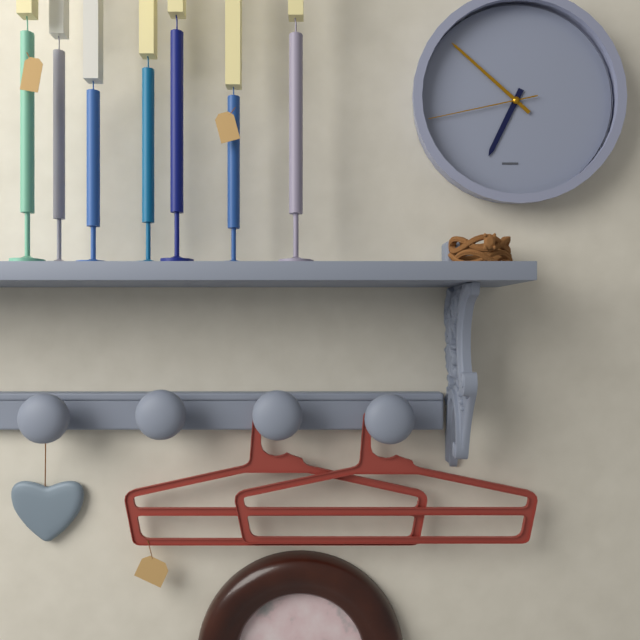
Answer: {"hour": 6, "minute": 52, "second": 43}
